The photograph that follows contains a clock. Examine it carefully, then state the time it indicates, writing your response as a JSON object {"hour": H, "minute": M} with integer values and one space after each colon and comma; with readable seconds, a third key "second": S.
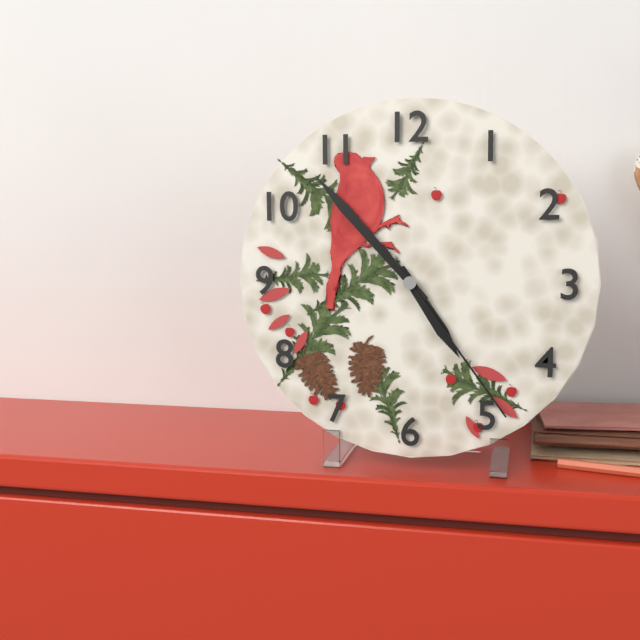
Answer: {"hour": 4, "minute": 53, "second": 24}
